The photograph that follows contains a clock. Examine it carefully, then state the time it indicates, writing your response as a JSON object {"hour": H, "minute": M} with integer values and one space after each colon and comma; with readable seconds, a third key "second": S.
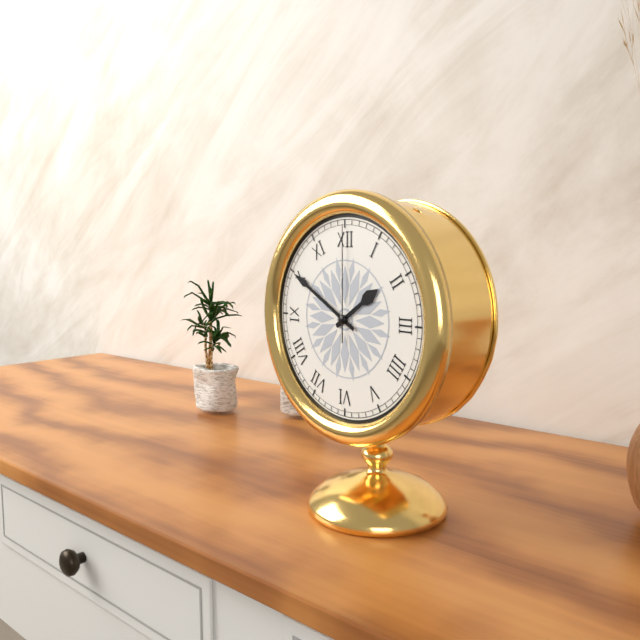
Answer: {"hour": 1, "minute": 50, "second": 0}
